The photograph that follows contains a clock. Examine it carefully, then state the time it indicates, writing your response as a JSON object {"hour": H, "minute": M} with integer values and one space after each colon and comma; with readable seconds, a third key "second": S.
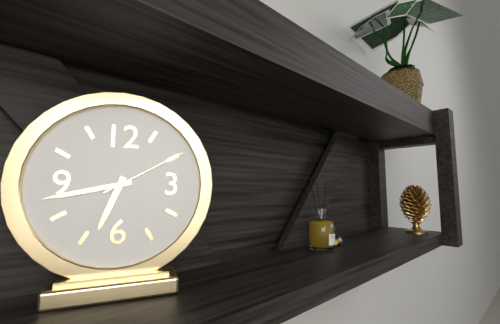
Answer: {"hour": 6, "minute": 43, "second": 10}
